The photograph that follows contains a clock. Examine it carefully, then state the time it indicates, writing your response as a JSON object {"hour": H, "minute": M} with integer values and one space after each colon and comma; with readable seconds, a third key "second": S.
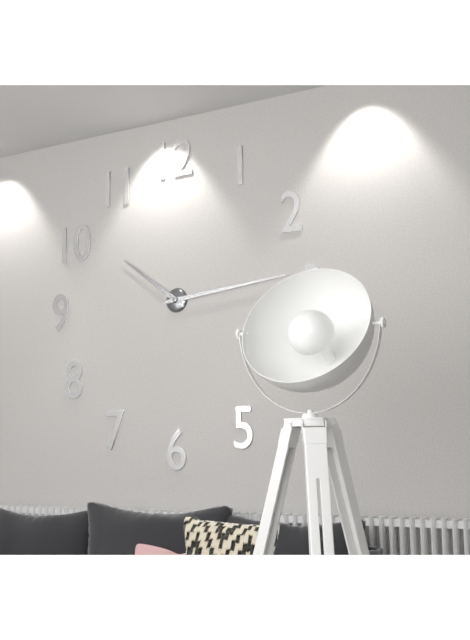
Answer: {"hour": 10, "minute": 14}
